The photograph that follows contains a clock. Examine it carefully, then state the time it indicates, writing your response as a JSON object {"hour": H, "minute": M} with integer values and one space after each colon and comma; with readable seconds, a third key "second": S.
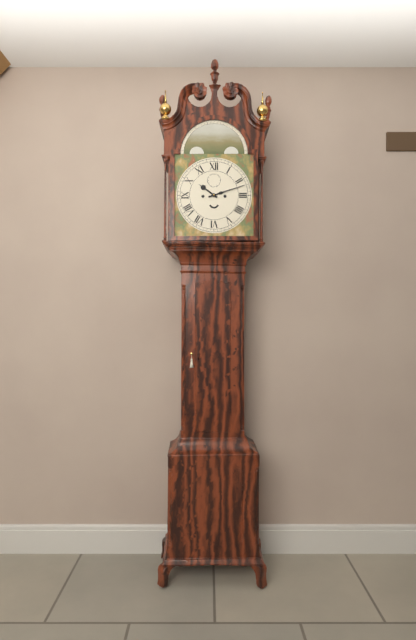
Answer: {"hour": 10, "minute": 12}
